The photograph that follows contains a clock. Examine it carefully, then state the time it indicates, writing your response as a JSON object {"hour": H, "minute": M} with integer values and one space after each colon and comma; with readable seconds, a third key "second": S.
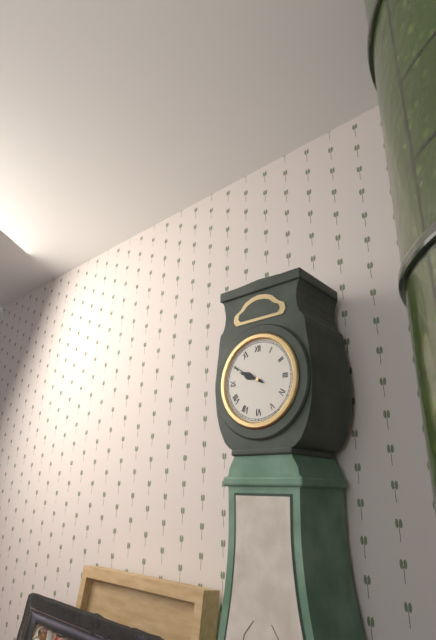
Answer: {"hour": 9, "minute": 50}
